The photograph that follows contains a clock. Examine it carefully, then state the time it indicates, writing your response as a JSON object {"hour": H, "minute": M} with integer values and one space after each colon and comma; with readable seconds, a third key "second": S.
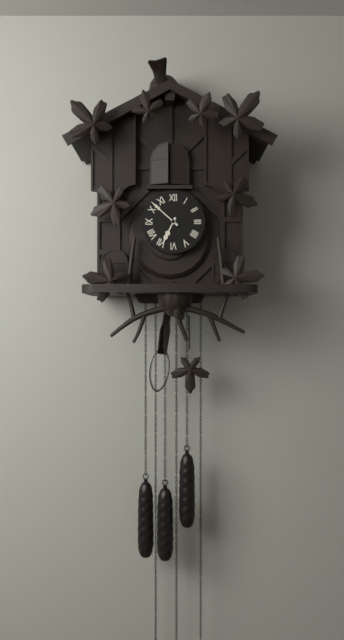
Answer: {"hour": 6, "minute": 52}
